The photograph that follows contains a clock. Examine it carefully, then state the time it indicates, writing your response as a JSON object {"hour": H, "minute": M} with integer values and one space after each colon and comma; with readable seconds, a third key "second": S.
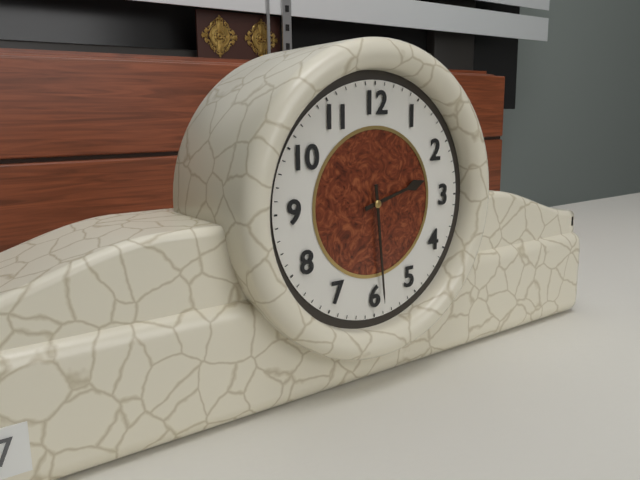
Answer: {"hour": 2, "minute": 29}
